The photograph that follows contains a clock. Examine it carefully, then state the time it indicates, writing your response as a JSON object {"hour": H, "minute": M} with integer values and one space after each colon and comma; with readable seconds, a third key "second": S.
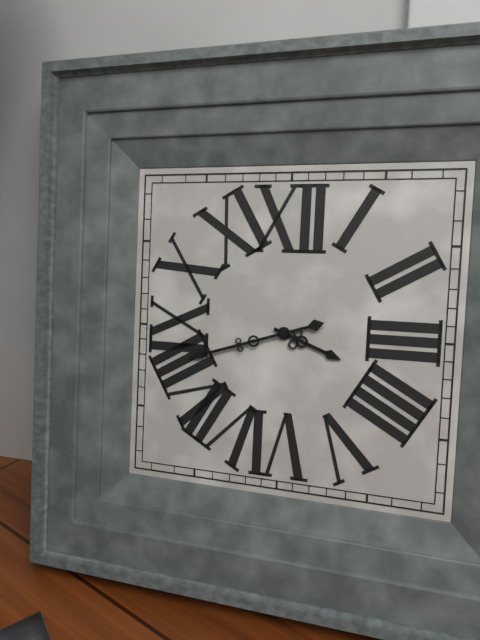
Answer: {"hour": 3, "minute": 42}
